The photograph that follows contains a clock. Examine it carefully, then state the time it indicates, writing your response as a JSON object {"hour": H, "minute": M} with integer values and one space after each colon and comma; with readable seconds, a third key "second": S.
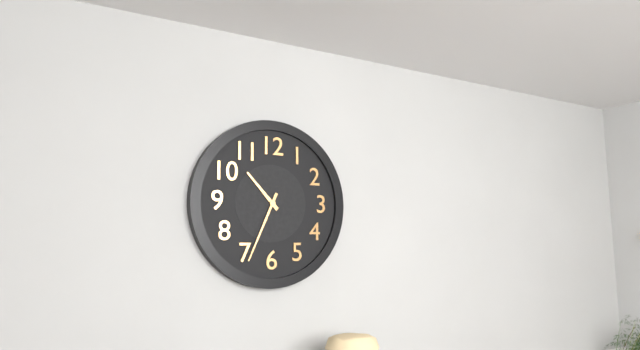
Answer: {"hour": 10, "minute": 34}
